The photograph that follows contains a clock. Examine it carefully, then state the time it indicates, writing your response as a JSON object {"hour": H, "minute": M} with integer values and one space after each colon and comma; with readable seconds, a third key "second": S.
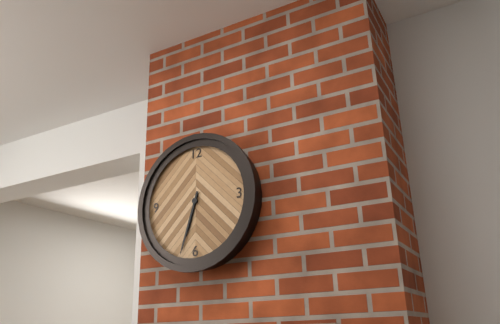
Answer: {"hour": 6, "minute": 33}
